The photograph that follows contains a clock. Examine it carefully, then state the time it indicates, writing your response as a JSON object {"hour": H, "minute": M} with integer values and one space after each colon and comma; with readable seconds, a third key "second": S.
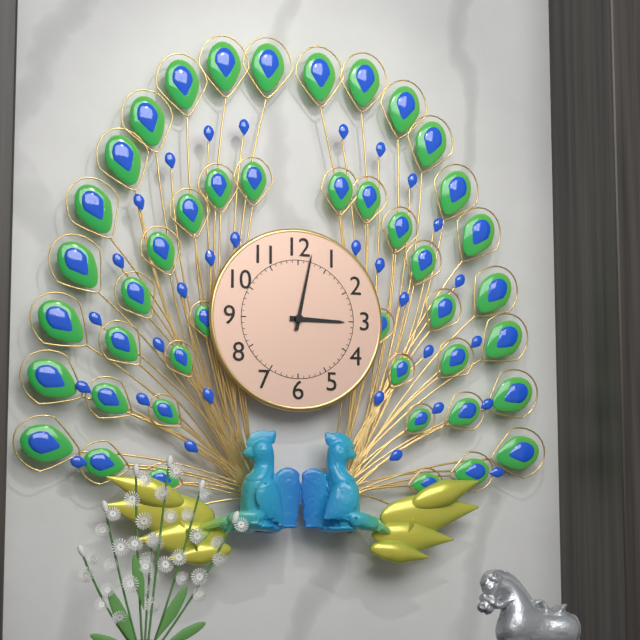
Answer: {"hour": 3, "minute": 2}
